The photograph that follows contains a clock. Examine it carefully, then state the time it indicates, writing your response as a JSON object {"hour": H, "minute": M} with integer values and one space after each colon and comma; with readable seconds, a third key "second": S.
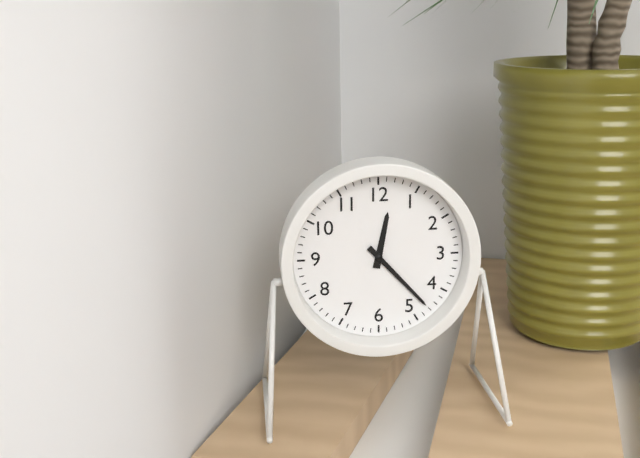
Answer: {"hour": 12, "minute": 23}
